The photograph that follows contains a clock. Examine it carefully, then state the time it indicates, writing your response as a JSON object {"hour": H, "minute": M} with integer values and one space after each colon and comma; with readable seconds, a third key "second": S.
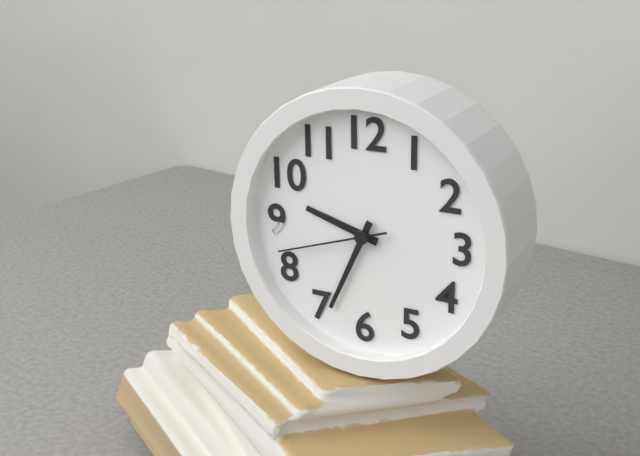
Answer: {"hour": 9, "minute": 34, "second": 42}
